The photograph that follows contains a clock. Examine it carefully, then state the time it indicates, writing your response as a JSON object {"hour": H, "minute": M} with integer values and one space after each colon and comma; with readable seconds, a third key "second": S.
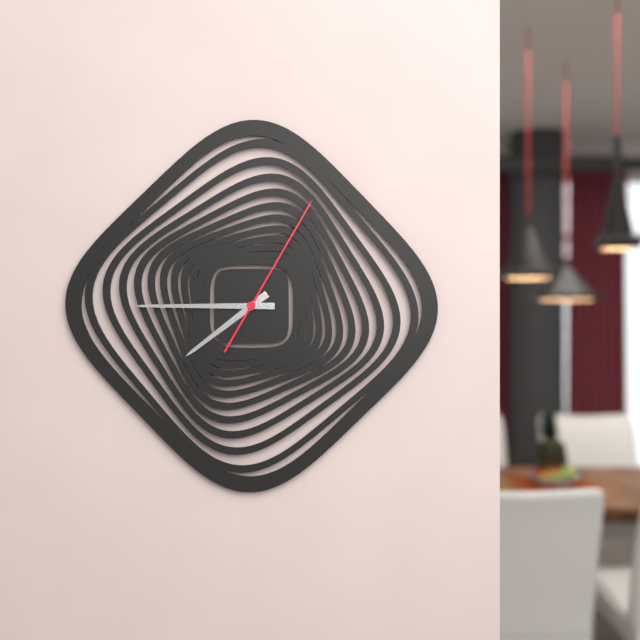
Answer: {"hour": 7, "minute": 45, "second": 5}
